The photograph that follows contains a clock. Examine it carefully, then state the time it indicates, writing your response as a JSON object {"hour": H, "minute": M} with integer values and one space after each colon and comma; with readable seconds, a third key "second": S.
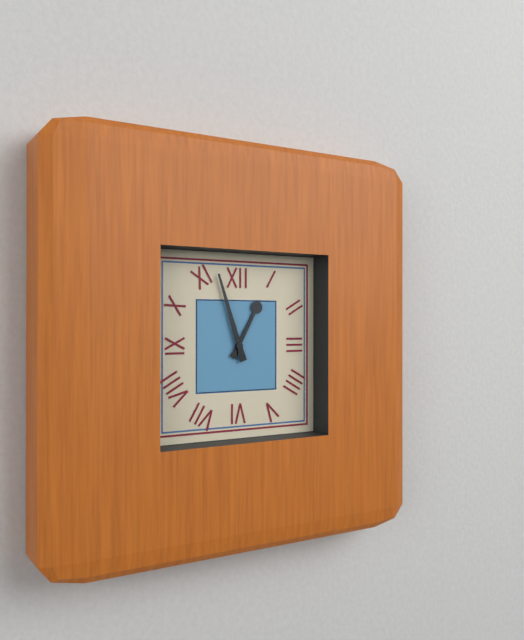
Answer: {"hour": 12, "minute": 57}
